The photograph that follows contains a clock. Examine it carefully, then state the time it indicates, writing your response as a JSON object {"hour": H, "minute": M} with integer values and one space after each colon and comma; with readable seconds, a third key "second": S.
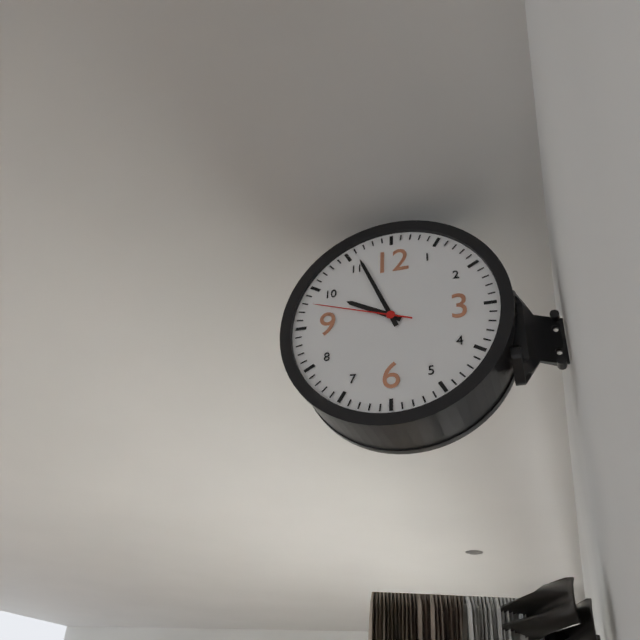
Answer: {"hour": 9, "minute": 56, "second": 48}
